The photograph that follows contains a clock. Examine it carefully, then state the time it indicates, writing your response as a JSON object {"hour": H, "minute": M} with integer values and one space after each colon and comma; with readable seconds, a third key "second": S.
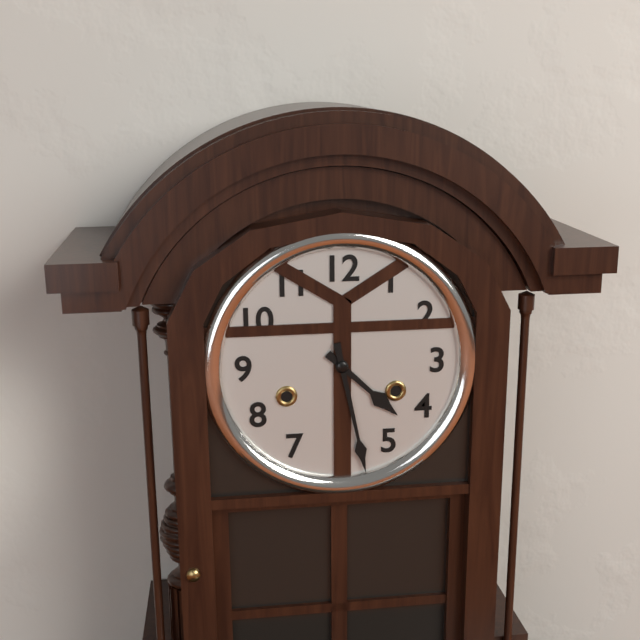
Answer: {"hour": 4, "minute": 28}
